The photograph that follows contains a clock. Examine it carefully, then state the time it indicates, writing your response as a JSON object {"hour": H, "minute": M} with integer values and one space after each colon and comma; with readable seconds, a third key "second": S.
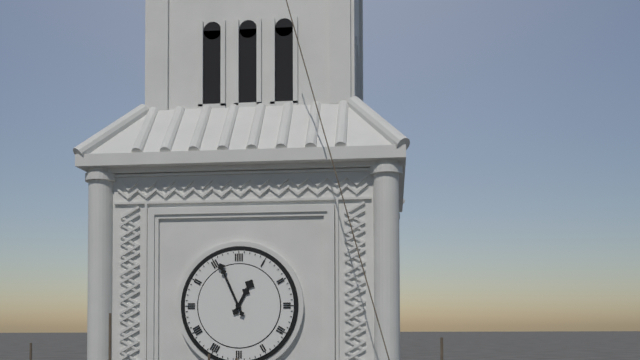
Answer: {"hour": 12, "minute": 56}
